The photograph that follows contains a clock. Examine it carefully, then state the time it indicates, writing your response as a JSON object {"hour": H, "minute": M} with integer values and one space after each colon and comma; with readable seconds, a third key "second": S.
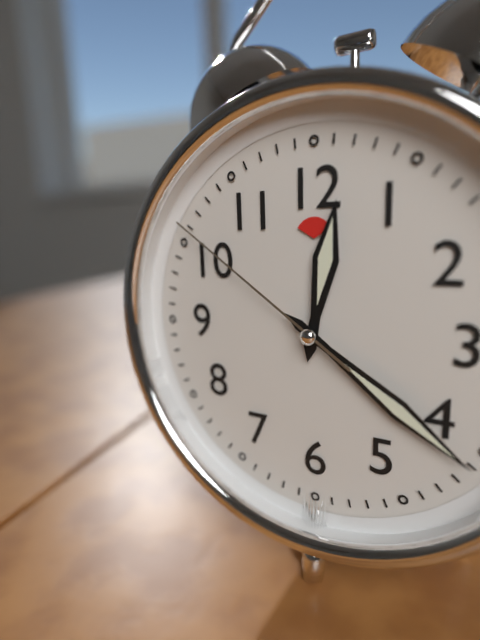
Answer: {"hour": 12, "minute": 21, "second": 51}
